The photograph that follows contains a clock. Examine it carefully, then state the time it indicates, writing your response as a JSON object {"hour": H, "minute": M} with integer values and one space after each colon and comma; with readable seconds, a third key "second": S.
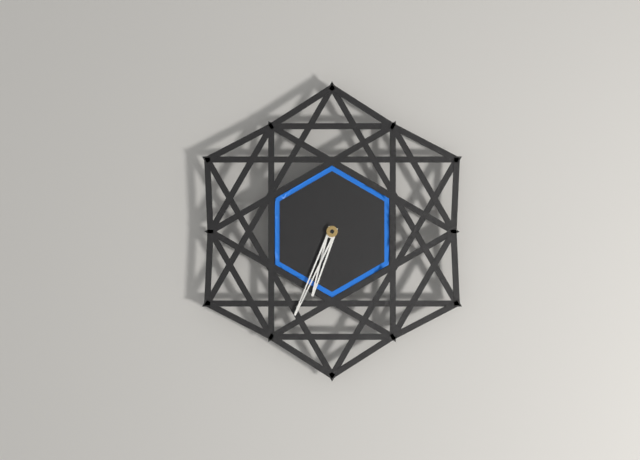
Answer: {"hour": 6, "minute": 34}
